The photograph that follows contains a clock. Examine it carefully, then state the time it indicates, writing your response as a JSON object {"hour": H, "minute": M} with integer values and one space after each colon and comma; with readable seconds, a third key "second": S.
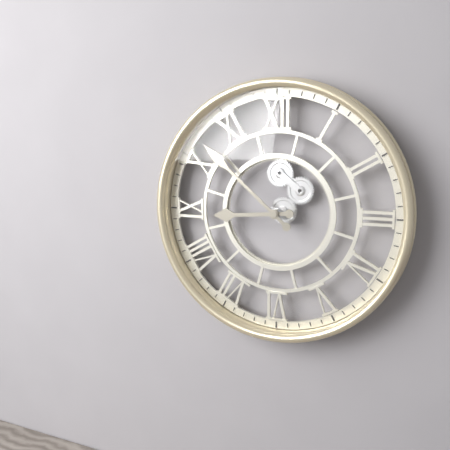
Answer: {"hour": 8, "minute": 52}
